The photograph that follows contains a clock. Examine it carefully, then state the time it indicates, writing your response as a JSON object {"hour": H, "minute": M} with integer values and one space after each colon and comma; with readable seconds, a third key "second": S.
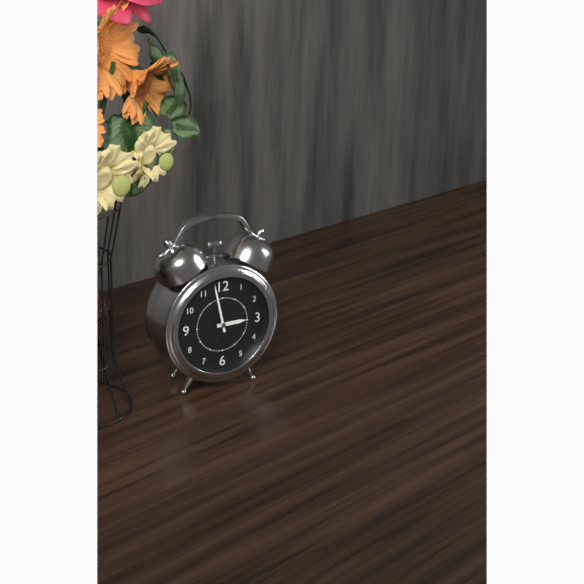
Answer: {"hour": 2, "minute": 58}
